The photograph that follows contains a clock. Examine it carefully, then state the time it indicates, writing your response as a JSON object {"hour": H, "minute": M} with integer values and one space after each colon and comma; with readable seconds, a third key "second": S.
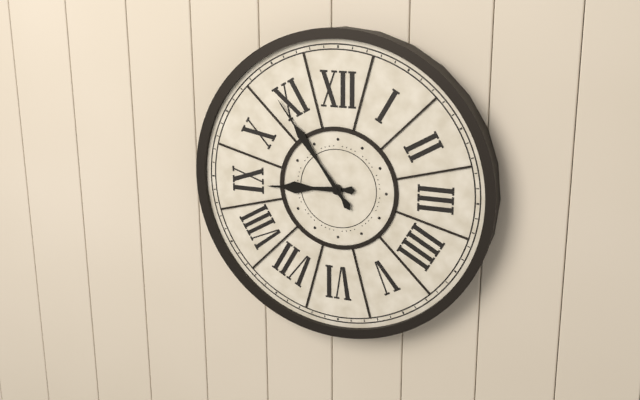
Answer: {"hour": 8, "minute": 54}
